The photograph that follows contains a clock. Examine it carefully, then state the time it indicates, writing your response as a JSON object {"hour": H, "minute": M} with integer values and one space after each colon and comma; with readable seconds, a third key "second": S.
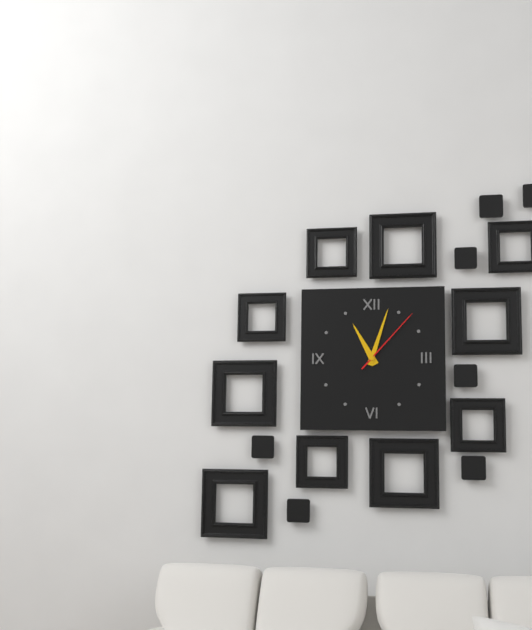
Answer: {"hour": 11, "minute": 3, "second": 7}
